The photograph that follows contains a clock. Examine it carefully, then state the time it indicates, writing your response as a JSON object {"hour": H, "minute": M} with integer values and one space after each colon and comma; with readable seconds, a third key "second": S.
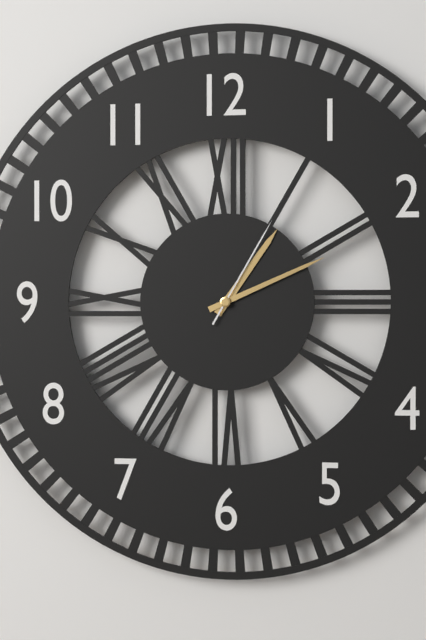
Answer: {"hour": 1, "minute": 11, "second": 5}
